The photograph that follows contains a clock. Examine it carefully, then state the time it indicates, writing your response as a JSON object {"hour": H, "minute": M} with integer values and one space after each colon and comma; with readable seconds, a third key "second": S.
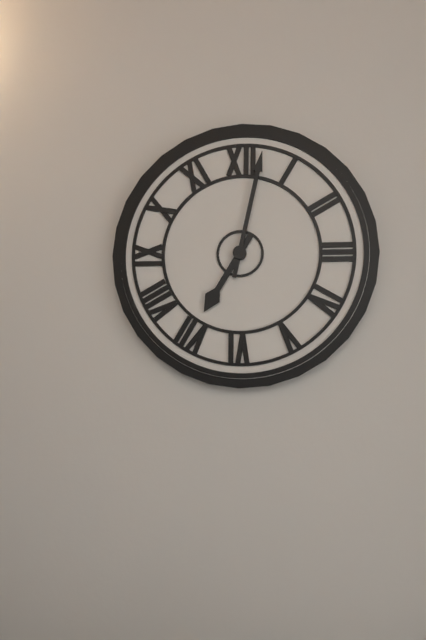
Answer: {"hour": 7, "minute": 2}
